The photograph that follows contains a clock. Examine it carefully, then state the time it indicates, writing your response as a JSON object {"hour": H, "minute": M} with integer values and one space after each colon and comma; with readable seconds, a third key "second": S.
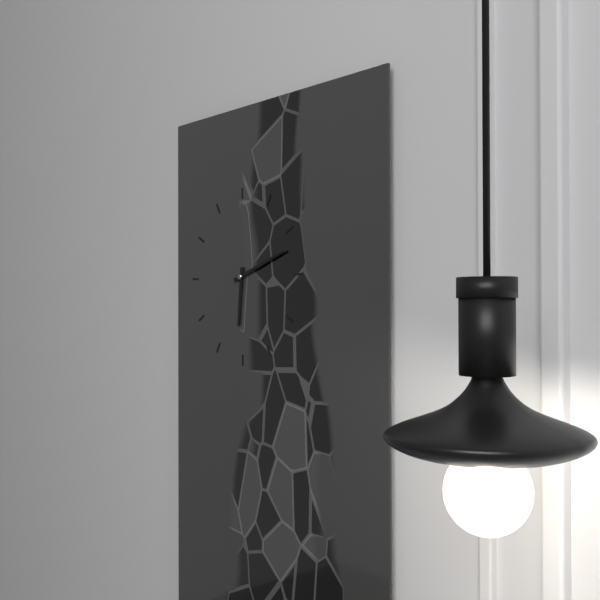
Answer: {"hour": 6, "minute": 12}
